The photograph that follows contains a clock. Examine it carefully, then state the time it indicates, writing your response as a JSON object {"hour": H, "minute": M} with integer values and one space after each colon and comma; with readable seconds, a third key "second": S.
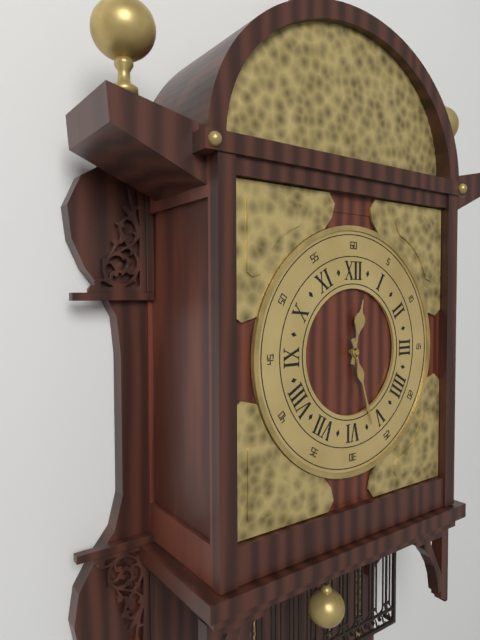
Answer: {"hour": 12, "minute": 27}
